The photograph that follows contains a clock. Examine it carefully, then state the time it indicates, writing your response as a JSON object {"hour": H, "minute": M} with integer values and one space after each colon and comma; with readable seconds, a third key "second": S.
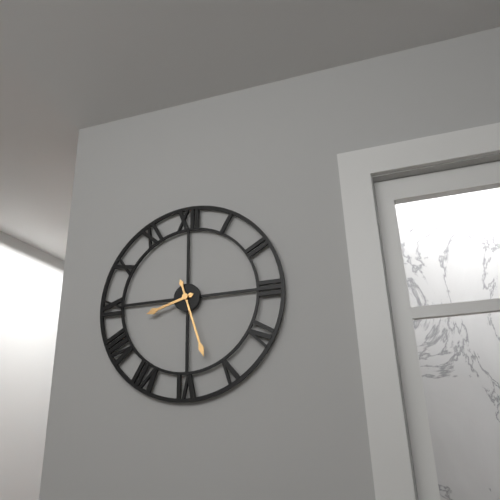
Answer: {"hour": 8, "minute": 27}
